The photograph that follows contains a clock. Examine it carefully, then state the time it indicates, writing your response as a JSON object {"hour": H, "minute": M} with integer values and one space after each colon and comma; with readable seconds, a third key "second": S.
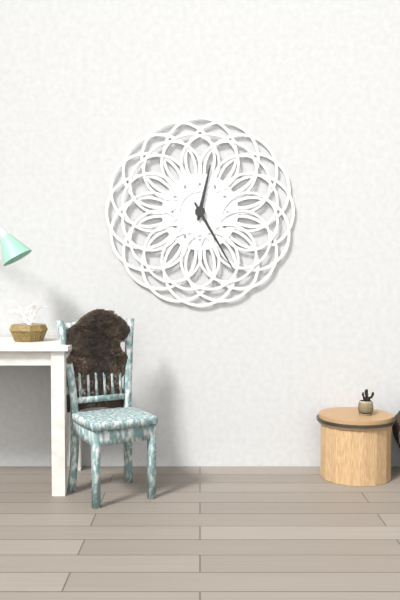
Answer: {"hour": 12, "minute": 25}
